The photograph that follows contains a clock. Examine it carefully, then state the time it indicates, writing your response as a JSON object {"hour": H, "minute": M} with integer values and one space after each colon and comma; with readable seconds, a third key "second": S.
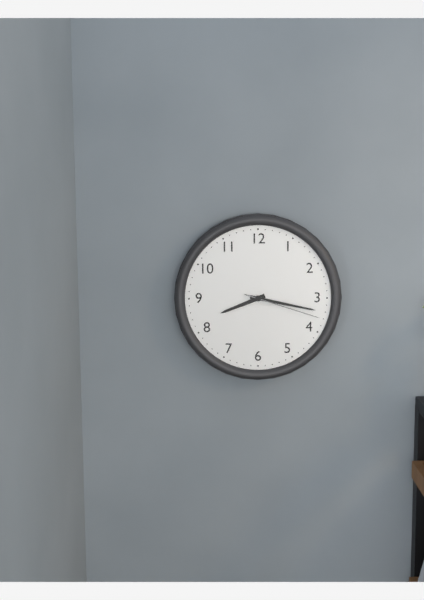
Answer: {"hour": 8, "minute": 17, "second": 18}
